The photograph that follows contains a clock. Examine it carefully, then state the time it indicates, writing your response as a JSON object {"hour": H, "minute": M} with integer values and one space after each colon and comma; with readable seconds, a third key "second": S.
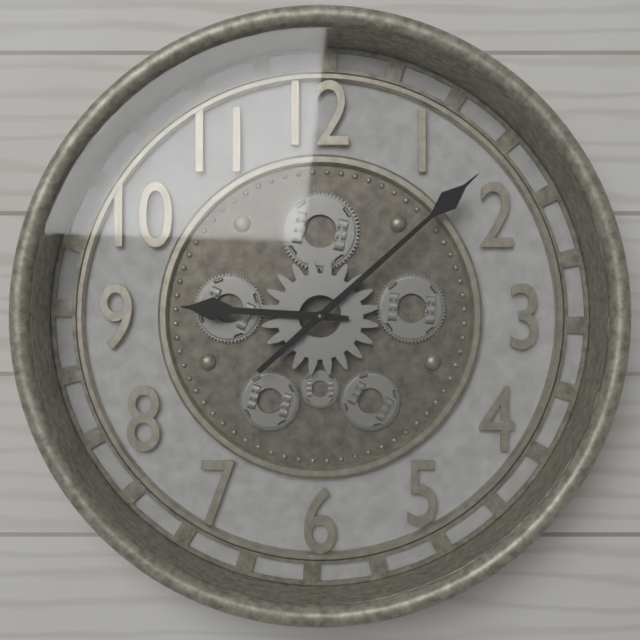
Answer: {"hour": 9, "minute": 8}
